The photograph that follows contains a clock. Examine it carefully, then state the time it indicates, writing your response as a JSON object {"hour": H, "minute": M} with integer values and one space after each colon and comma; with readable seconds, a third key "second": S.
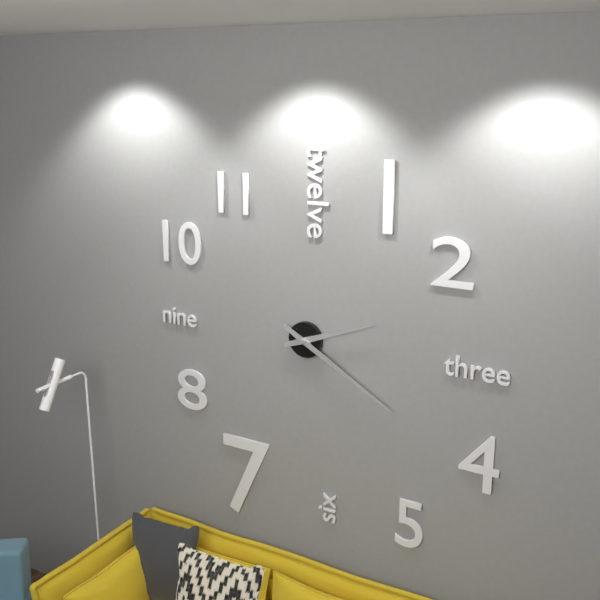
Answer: {"hour": 2, "minute": 20}
